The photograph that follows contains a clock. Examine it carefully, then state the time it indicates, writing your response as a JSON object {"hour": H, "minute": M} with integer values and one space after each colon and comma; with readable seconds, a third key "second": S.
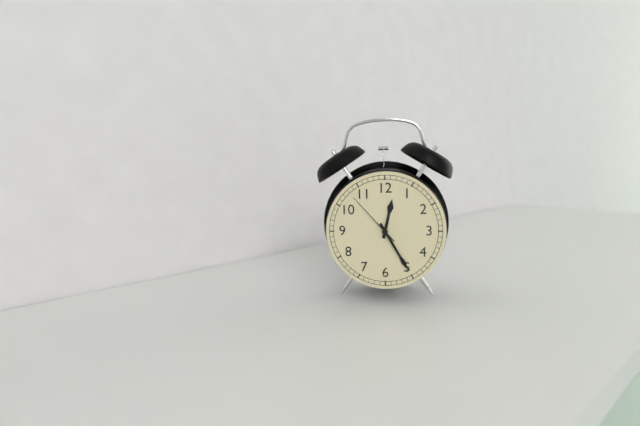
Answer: {"hour": 12, "minute": 25, "second": 53}
